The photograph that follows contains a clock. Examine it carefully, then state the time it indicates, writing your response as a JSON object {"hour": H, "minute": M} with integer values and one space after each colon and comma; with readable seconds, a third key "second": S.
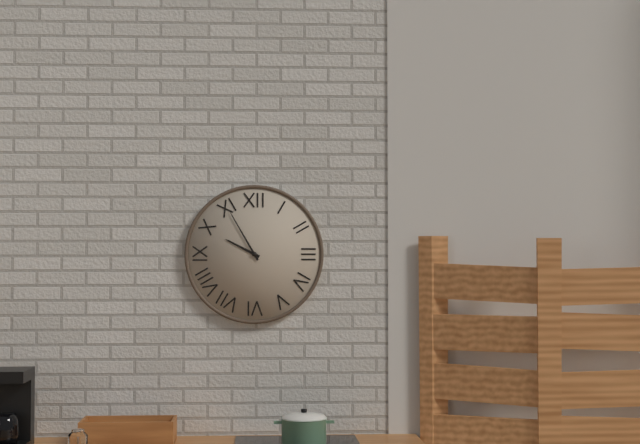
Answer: {"hour": 9, "minute": 55}
